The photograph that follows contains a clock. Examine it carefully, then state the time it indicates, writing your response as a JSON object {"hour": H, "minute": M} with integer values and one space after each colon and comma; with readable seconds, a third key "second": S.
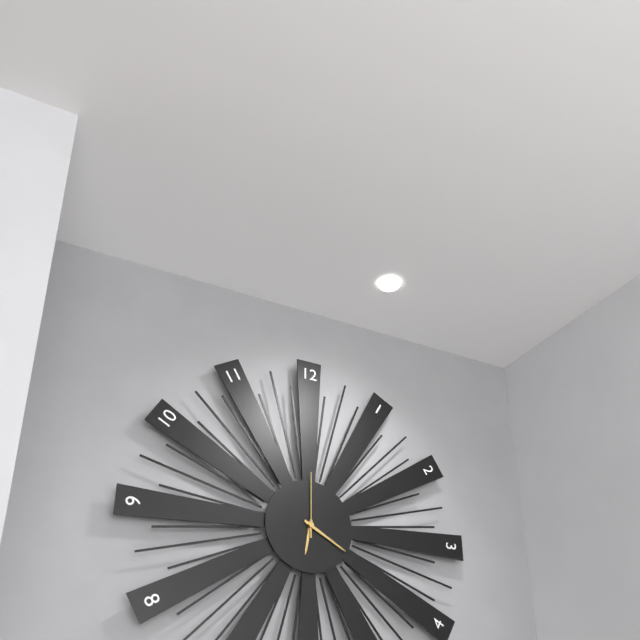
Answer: {"hour": 6, "minute": 20, "second": 0}
